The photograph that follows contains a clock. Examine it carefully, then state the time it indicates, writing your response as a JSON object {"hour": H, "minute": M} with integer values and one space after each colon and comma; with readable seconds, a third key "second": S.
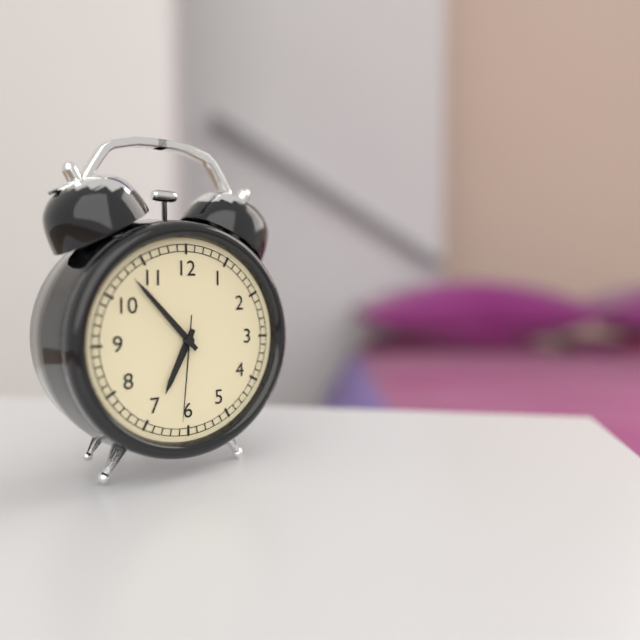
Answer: {"hour": 6, "minute": 53, "second": 31}
